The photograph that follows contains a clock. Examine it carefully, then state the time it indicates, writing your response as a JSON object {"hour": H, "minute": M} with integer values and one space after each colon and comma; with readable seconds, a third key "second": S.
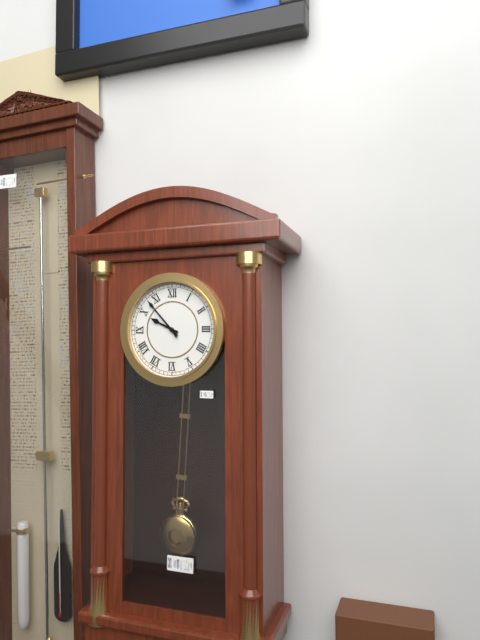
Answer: {"hour": 9, "minute": 53}
